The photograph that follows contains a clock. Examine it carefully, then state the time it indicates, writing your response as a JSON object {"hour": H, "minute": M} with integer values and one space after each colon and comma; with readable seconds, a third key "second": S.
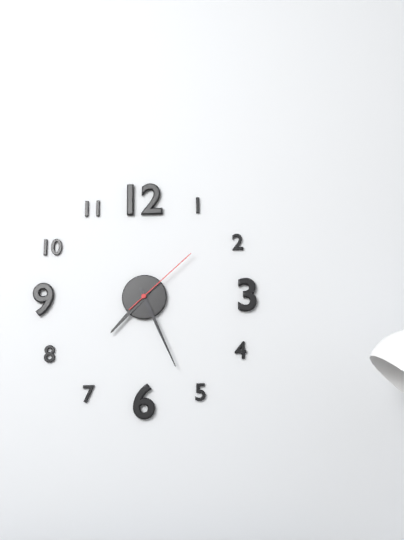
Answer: {"hour": 7, "minute": 26, "second": 8}
